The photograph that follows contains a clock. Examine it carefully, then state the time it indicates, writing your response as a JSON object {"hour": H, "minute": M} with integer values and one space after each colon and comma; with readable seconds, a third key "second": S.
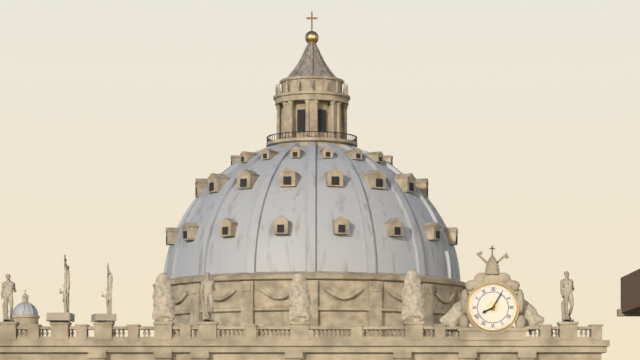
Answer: {"hour": 8, "minute": 5}
